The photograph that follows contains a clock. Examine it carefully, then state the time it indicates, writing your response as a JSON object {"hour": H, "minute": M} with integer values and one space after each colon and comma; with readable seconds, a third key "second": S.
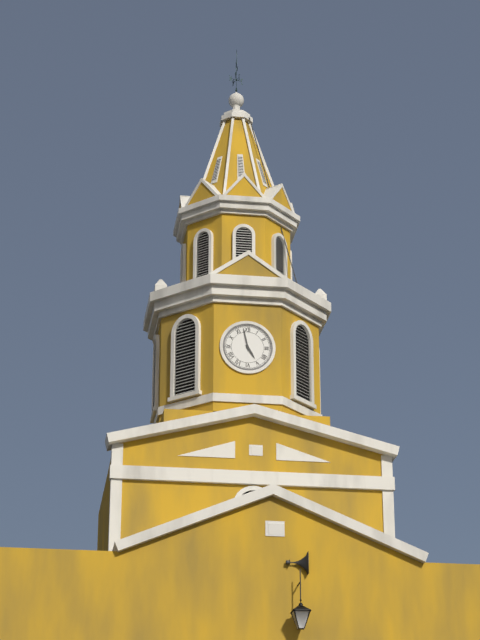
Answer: {"hour": 4, "minute": 58}
